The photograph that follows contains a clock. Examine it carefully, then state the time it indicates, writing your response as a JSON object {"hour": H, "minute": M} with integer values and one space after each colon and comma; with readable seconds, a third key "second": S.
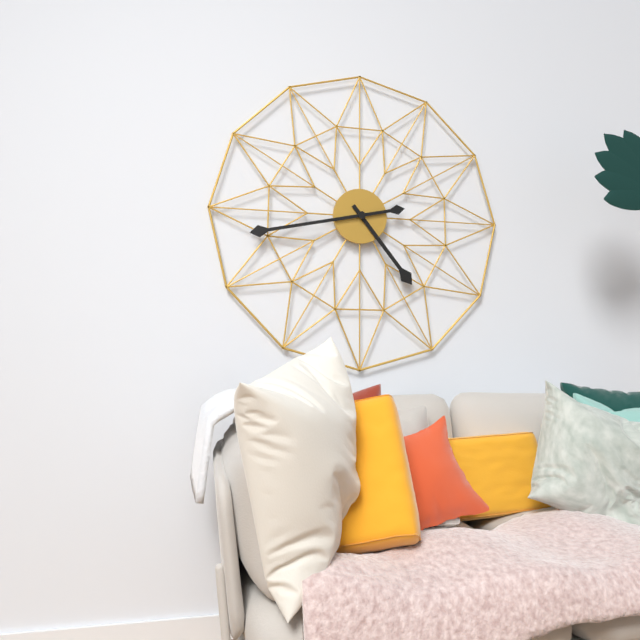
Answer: {"hour": 4, "minute": 43}
